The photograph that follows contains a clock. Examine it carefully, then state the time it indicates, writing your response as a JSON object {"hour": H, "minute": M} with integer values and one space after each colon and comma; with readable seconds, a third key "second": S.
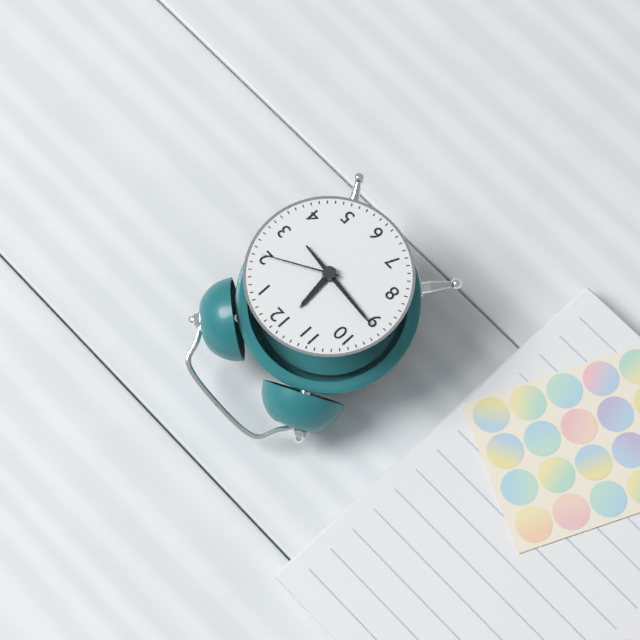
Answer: {"hour": 11, "minute": 46, "second": 10}
